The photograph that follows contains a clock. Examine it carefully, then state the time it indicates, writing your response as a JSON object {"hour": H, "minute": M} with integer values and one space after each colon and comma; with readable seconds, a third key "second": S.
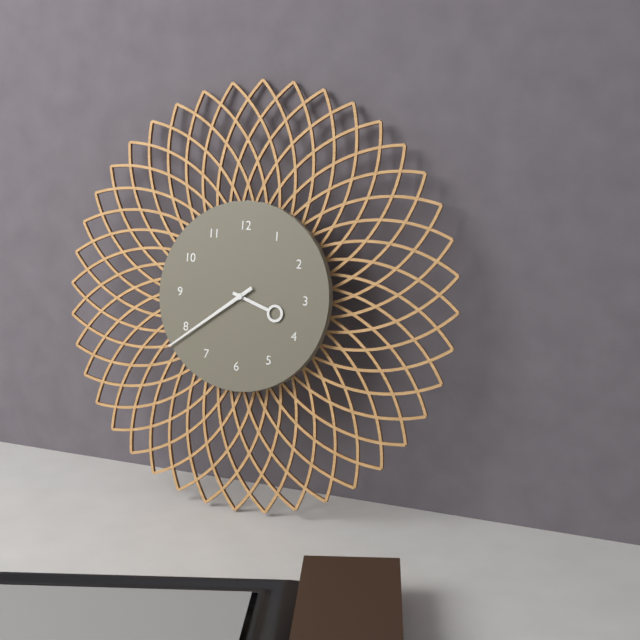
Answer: {"hour": 3, "minute": 39}
